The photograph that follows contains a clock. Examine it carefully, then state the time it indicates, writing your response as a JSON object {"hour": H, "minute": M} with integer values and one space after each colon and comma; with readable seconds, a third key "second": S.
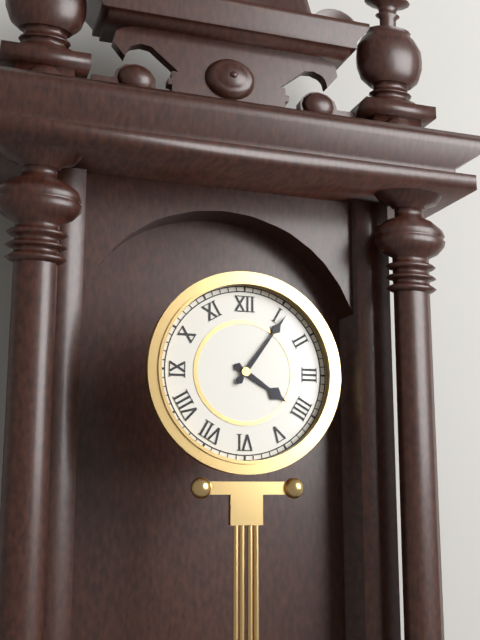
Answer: {"hour": 4, "minute": 6}
